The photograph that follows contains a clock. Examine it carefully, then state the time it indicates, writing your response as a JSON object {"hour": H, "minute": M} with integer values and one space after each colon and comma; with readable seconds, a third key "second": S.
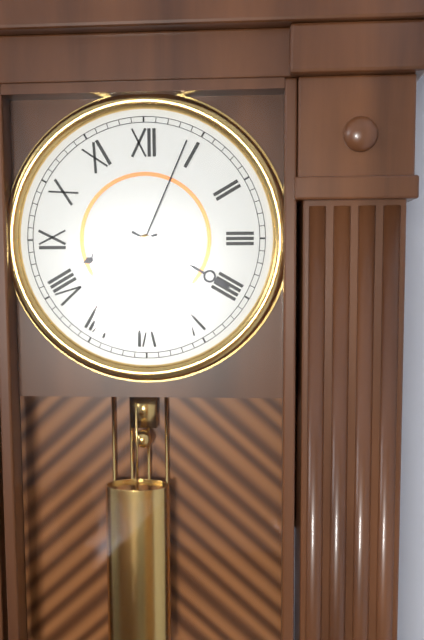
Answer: {"hour": 8, "minute": 20, "second": 4}
